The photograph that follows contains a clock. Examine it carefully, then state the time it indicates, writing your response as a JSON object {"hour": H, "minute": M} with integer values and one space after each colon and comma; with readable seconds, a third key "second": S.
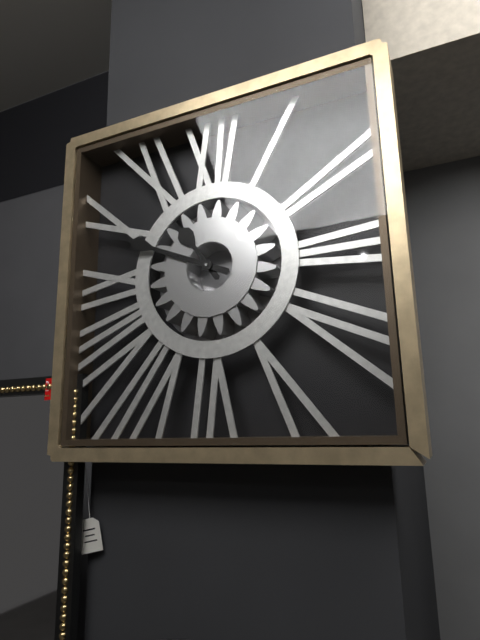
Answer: {"hour": 10, "minute": 49}
